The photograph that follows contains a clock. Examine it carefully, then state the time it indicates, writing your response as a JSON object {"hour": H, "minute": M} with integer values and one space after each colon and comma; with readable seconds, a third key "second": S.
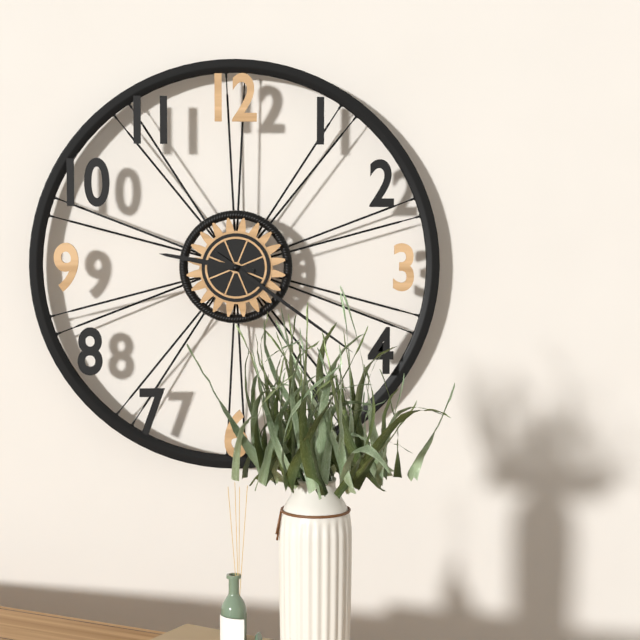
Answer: {"hour": 9, "minute": 21}
